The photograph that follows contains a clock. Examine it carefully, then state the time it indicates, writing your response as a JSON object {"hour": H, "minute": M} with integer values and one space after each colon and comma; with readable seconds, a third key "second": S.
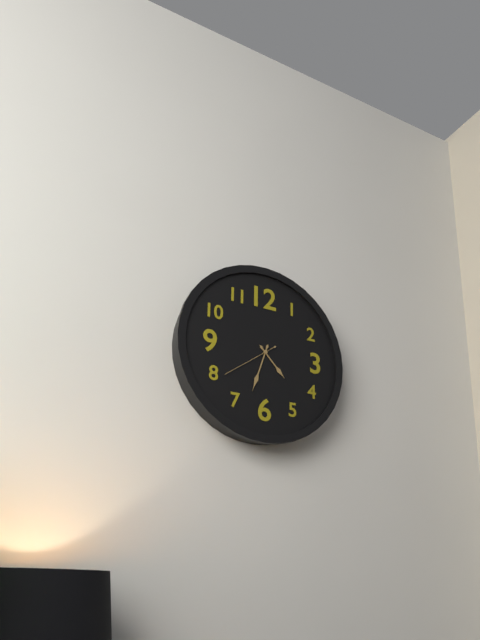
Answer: {"hour": 4, "minute": 33, "second": 39}
